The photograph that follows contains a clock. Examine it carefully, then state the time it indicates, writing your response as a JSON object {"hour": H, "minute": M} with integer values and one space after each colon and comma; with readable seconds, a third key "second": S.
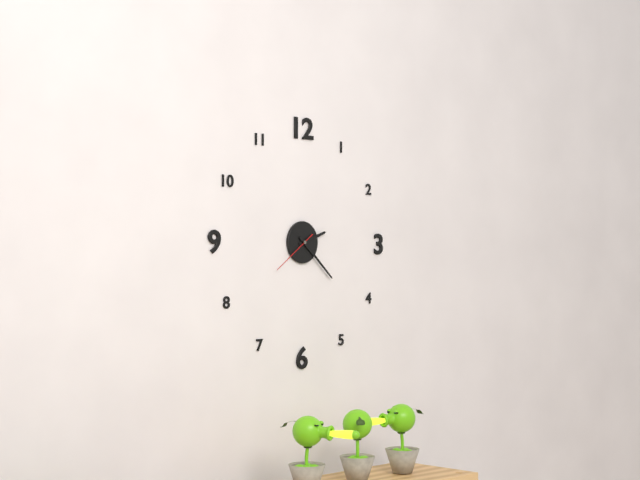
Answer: {"hour": 2, "minute": 22}
